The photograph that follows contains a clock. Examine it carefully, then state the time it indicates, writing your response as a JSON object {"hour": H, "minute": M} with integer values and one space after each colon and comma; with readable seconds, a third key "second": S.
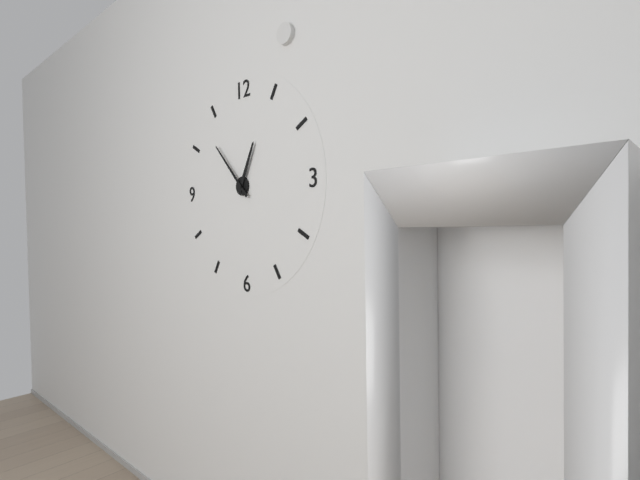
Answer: {"hour": 12, "minute": 53}
